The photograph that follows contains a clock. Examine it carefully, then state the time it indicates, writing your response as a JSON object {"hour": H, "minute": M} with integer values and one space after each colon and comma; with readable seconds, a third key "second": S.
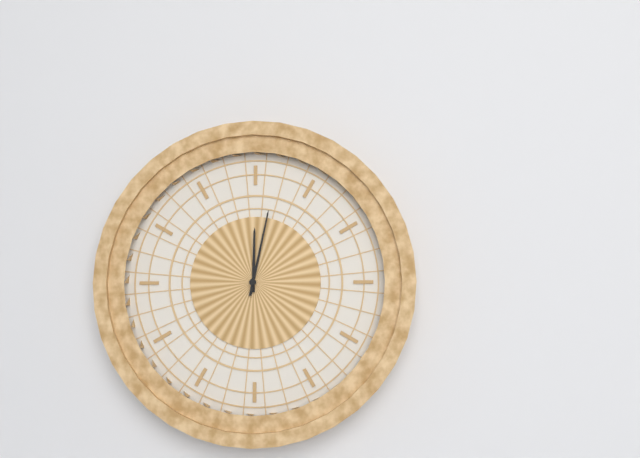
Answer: {"hour": 12, "minute": 2}
